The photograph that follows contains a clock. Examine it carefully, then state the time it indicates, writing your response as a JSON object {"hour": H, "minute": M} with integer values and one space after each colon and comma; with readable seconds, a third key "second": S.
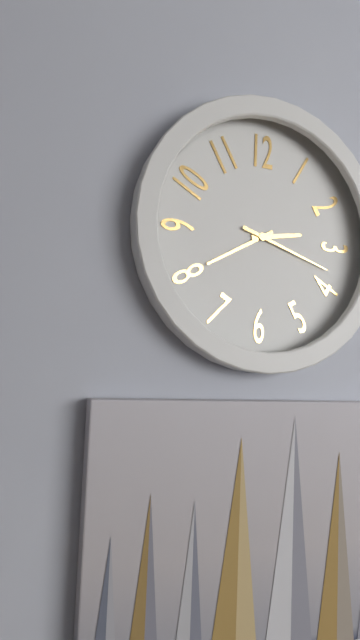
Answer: {"hour": 2, "minute": 40, "second": 18}
